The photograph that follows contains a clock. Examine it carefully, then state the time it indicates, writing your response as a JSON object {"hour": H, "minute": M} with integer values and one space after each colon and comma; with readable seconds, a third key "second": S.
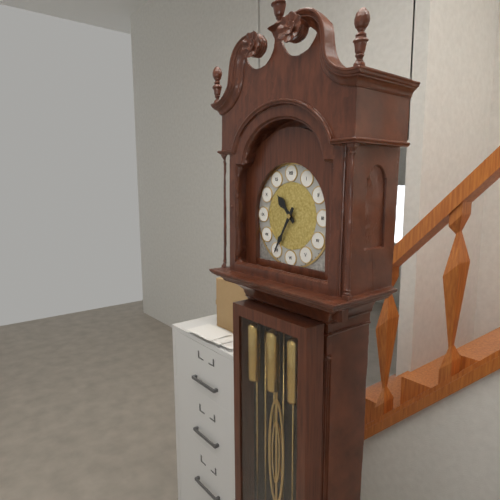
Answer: {"hour": 10, "minute": 35}
